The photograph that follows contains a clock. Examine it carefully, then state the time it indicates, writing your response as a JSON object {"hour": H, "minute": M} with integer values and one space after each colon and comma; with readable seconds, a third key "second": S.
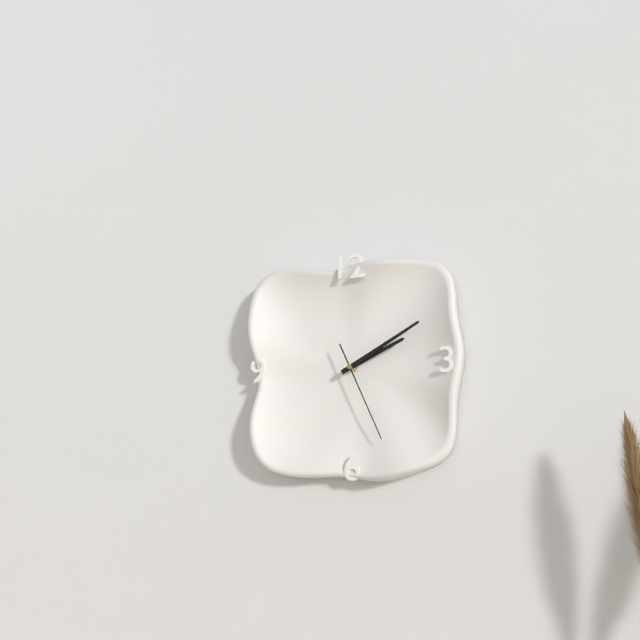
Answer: {"hour": 2, "minute": 10, "second": 26}
